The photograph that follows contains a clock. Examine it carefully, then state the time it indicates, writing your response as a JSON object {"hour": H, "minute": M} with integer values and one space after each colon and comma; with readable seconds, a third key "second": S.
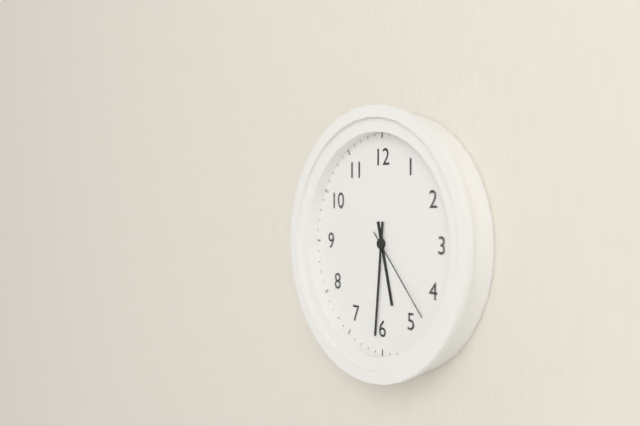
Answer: {"hour": 5, "minute": 31, "second": 23}
